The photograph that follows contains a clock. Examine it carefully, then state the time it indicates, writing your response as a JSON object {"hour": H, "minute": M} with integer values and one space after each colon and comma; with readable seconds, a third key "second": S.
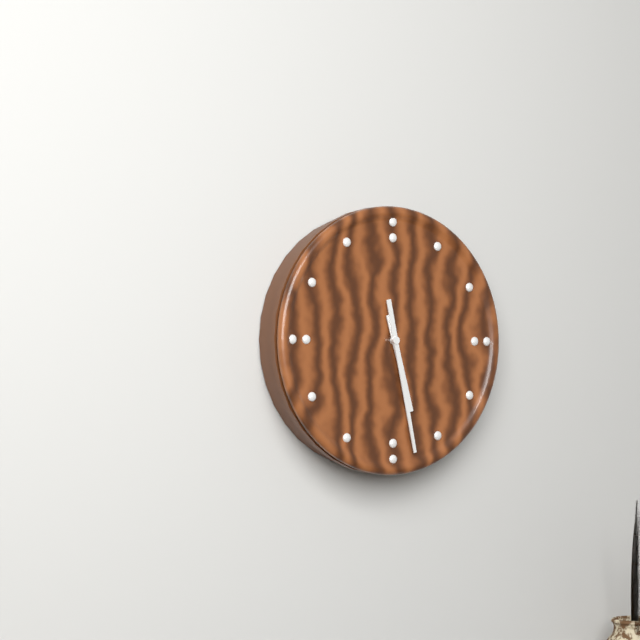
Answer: {"hour": 5, "minute": 28}
